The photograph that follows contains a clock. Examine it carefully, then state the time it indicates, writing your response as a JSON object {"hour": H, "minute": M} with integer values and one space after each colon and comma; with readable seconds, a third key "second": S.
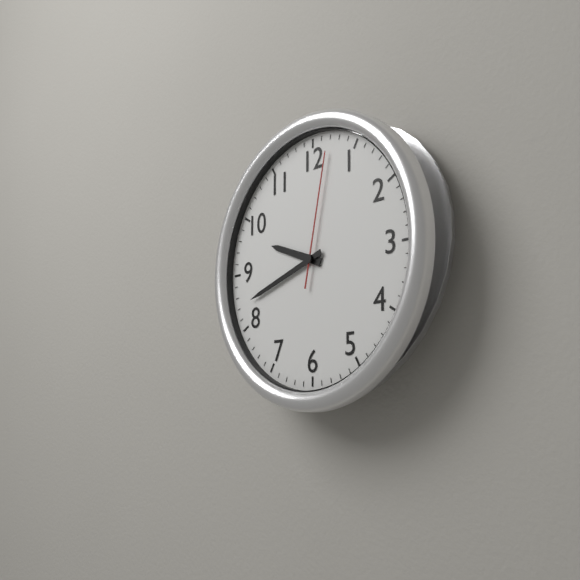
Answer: {"hour": 9, "minute": 42, "second": 2}
